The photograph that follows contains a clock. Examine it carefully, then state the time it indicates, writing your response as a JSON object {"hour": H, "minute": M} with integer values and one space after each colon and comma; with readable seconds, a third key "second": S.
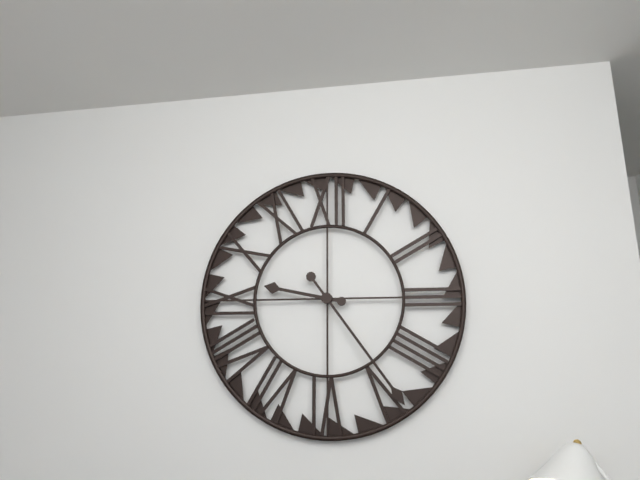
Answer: {"hour": 9, "minute": 24}
